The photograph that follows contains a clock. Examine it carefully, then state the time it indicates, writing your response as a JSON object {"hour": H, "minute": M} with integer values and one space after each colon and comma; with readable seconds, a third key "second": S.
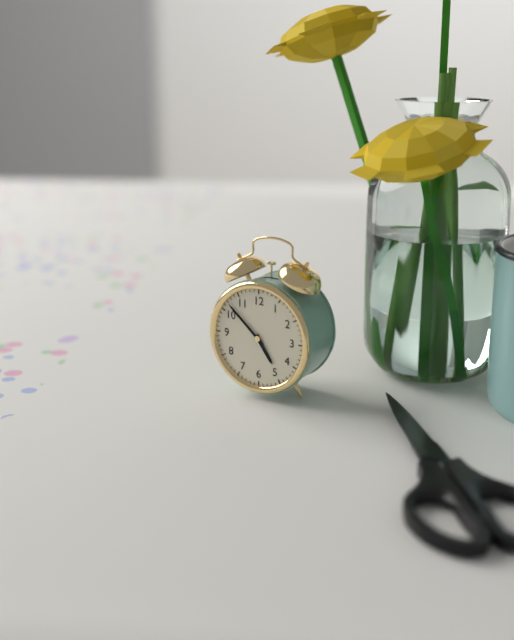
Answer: {"hour": 4, "minute": 52}
